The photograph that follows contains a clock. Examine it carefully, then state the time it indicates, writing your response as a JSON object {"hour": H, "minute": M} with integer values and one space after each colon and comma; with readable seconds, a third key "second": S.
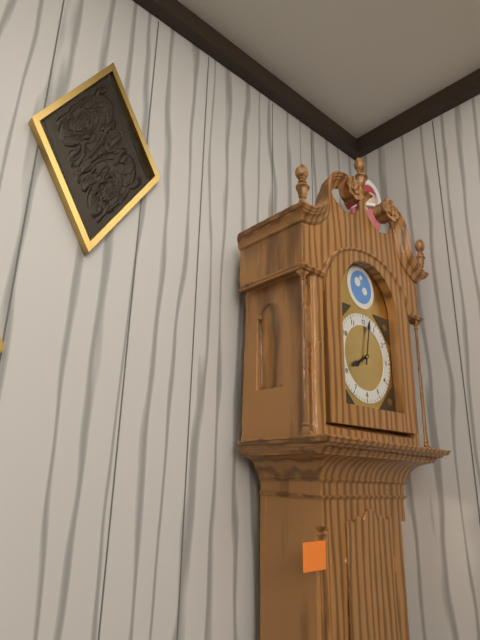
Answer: {"hour": 8, "minute": 2}
